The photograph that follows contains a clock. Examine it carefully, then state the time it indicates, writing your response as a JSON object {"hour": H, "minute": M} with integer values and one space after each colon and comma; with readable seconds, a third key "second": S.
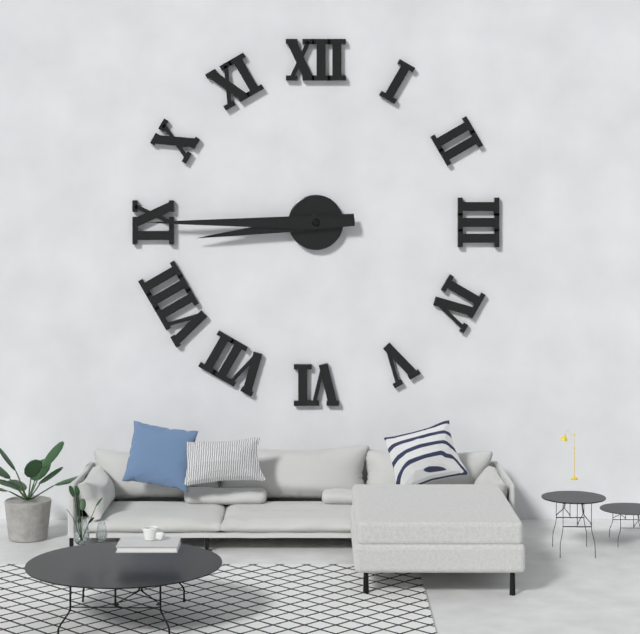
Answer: {"hour": 8, "minute": 45}
